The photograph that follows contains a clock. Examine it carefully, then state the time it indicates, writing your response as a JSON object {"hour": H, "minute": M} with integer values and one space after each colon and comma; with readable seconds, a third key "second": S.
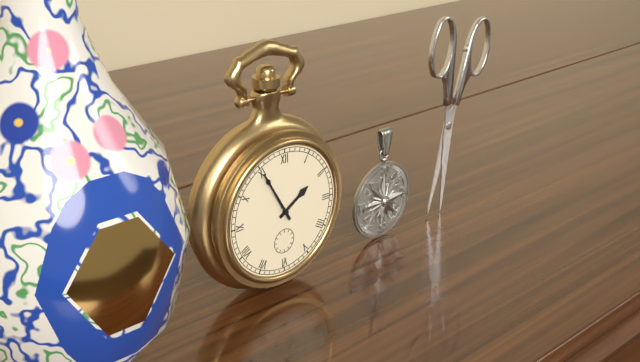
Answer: {"hour": 1, "minute": 55}
